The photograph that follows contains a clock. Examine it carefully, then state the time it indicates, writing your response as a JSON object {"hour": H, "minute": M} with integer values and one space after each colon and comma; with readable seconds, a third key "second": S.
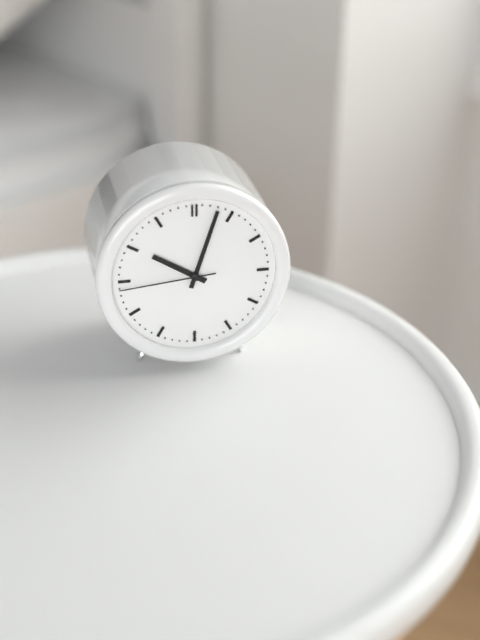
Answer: {"hour": 10, "minute": 3, "second": 44}
